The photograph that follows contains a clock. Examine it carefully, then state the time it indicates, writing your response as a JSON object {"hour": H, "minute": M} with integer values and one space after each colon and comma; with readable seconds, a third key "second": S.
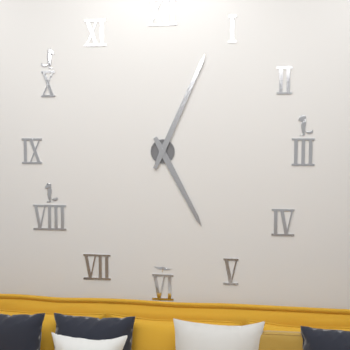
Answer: {"hour": 5, "minute": 4}
